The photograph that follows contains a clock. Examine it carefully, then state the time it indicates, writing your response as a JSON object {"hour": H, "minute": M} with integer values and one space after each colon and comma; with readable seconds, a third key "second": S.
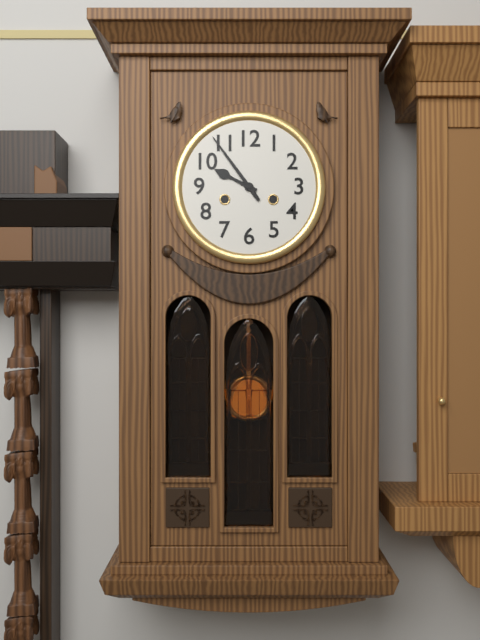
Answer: {"hour": 9, "minute": 54}
